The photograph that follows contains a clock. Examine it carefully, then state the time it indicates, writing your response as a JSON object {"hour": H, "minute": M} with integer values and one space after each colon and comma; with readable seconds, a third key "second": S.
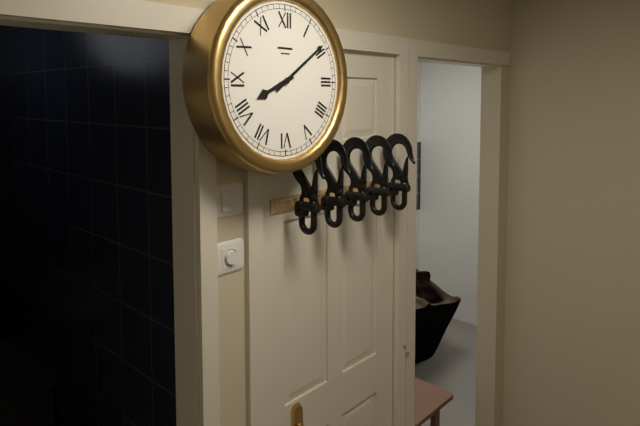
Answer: {"hour": 8, "minute": 9}
